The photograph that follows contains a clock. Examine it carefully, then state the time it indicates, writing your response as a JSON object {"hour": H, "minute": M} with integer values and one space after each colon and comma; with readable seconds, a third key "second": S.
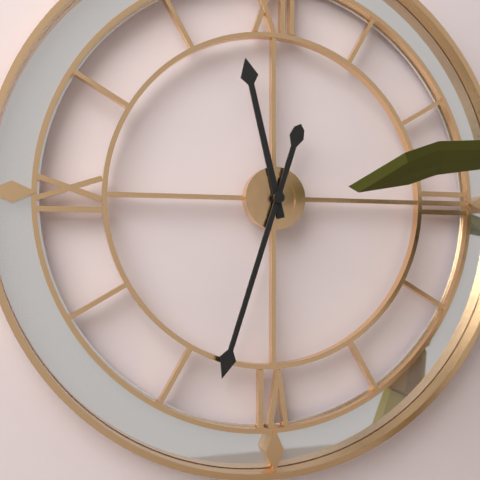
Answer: {"hour": 11, "minute": 33}
